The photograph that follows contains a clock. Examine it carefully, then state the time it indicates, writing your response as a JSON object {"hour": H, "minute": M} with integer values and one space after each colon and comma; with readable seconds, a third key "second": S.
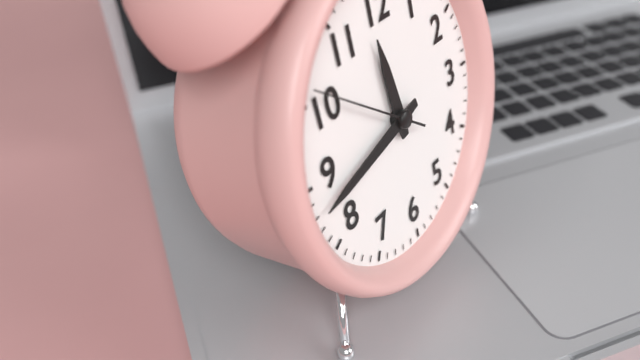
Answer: {"hour": 11, "minute": 43, "second": 51}
